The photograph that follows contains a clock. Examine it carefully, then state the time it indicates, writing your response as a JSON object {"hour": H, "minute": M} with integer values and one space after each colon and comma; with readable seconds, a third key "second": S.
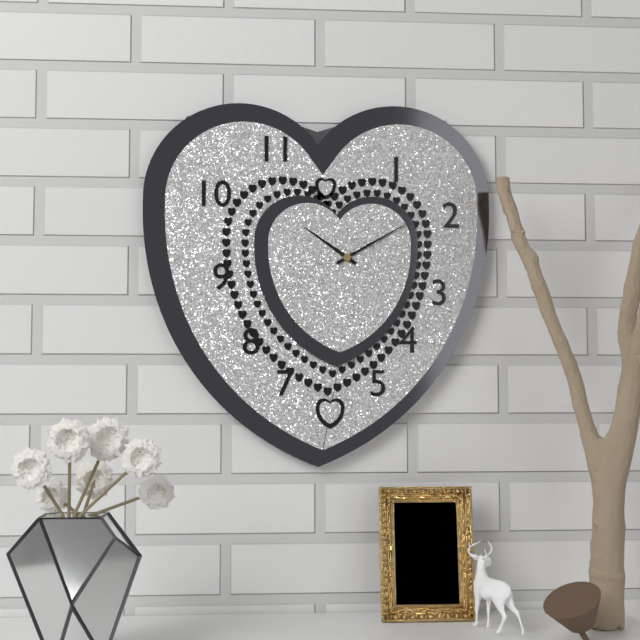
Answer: {"hour": 10, "minute": 10}
